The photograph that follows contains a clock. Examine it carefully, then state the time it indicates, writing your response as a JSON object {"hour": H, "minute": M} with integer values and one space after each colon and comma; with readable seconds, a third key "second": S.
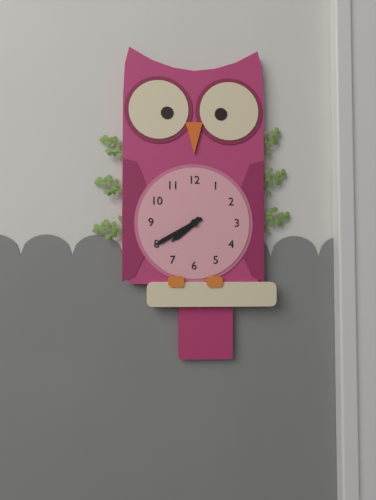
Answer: {"hour": 7, "minute": 40}
